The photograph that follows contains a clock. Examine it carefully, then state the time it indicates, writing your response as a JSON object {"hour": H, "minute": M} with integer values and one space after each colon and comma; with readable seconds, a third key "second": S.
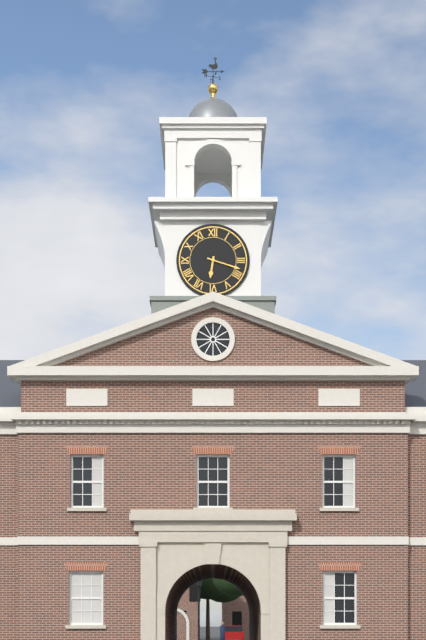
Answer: {"hour": 6, "minute": 18}
